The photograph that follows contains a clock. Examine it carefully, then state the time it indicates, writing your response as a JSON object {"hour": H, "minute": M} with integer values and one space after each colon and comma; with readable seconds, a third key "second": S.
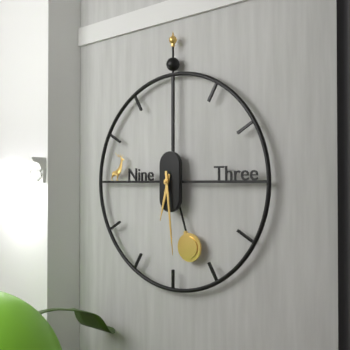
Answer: {"hour": 6, "minute": 29}
